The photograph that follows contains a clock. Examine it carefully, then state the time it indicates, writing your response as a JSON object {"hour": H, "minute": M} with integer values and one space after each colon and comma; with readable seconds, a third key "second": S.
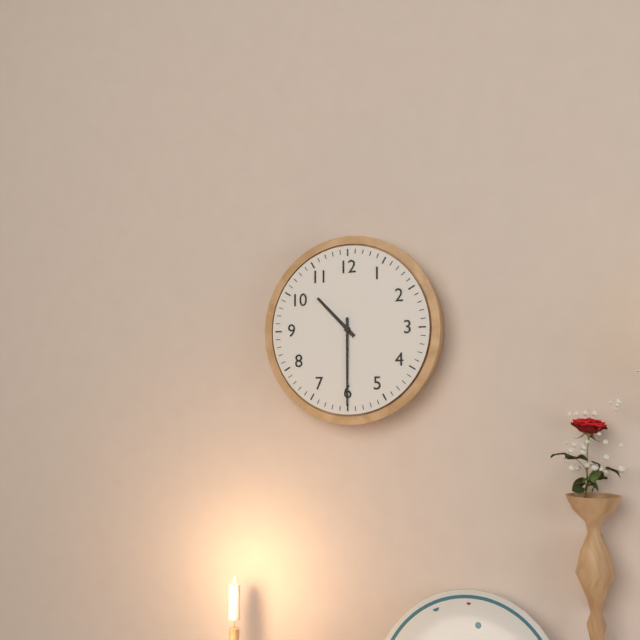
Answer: {"hour": 10, "minute": 30}
